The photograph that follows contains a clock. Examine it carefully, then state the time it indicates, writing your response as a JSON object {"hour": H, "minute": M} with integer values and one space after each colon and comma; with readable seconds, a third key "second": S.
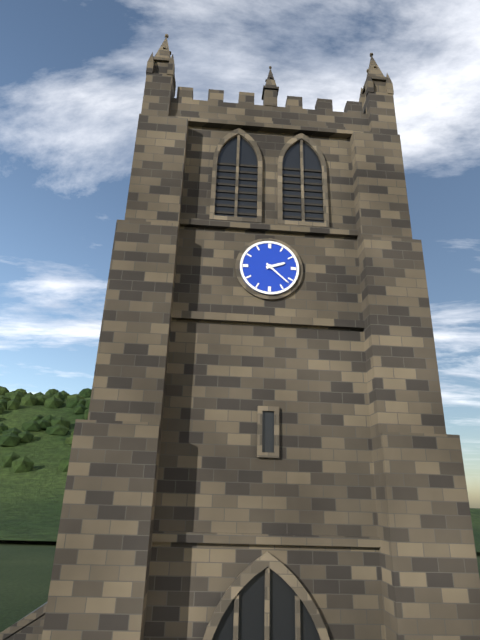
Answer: {"hour": 2, "minute": 22}
